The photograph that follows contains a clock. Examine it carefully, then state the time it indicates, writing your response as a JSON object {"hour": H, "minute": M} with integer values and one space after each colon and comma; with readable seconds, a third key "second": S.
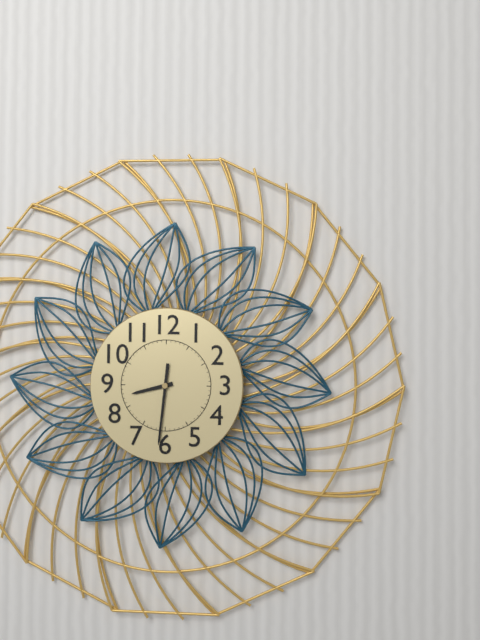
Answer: {"hour": 8, "minute": 31}
